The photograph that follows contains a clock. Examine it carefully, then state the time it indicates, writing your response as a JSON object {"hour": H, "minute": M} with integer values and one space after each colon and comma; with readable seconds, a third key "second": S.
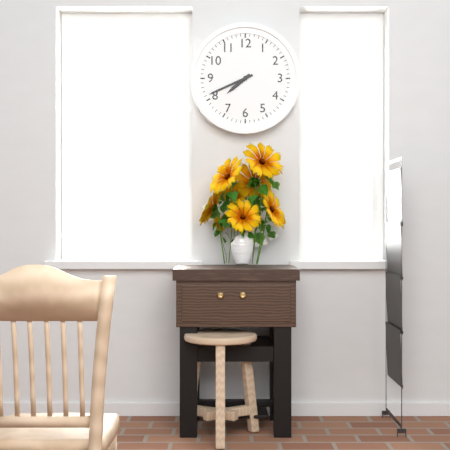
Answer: {"hour": 7, "minute": 41}
